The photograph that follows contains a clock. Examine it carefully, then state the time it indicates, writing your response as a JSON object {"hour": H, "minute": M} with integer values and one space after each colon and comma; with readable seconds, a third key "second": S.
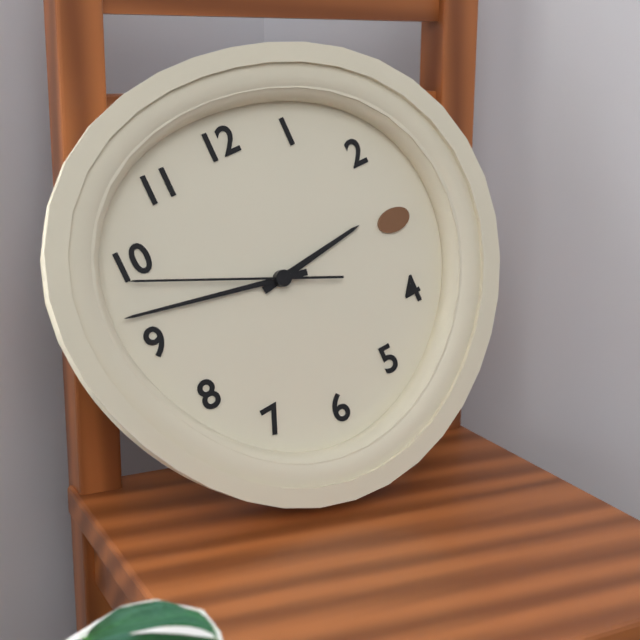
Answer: {"hour": 2, "minute": 47, "second": 49}
